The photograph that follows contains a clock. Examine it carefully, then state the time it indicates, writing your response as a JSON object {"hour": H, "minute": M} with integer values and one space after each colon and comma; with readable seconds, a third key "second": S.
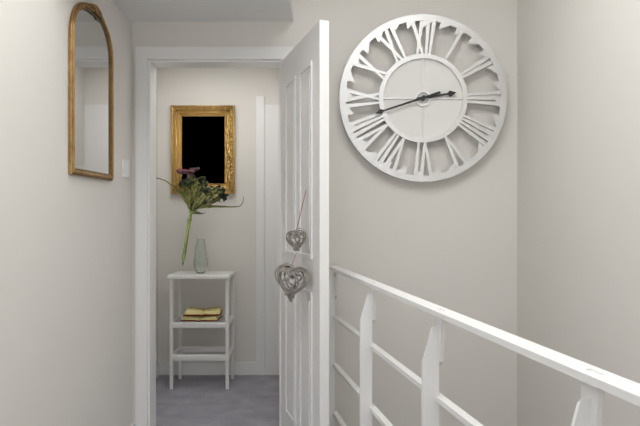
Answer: {"hour": 2, "minute": 42}
